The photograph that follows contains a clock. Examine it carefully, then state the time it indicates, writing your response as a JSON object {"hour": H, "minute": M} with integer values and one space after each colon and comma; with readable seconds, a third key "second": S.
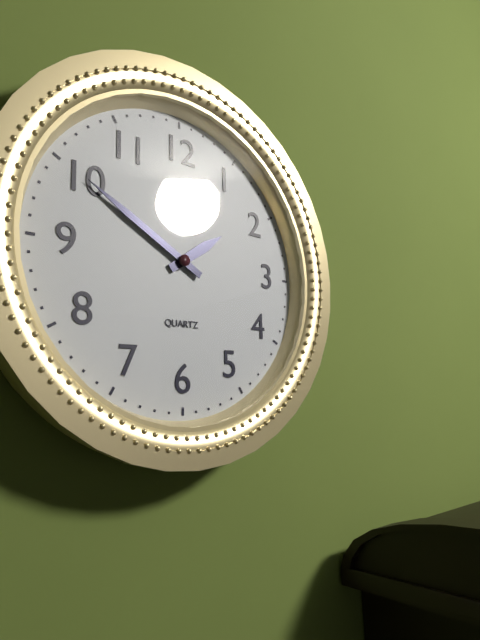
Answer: {"hour": 1, "minute": 50}
